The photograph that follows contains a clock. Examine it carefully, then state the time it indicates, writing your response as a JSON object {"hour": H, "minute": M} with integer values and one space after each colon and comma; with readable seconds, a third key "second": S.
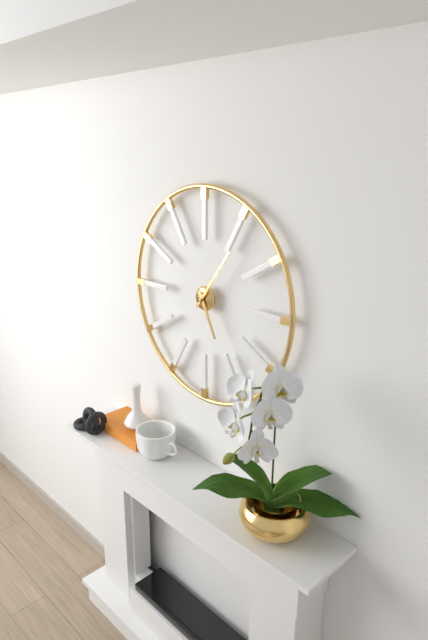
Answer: {"hour": 5, "minute": 6}
